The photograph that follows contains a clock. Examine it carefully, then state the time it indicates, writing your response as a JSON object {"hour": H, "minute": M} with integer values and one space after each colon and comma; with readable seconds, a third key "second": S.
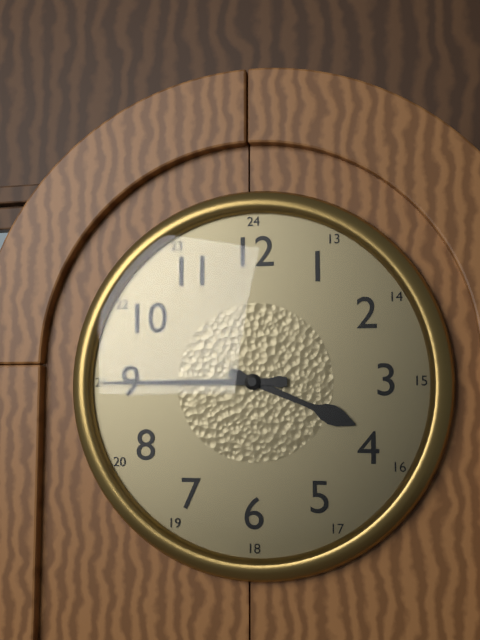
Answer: {"hour": 3, "minute": 45}
